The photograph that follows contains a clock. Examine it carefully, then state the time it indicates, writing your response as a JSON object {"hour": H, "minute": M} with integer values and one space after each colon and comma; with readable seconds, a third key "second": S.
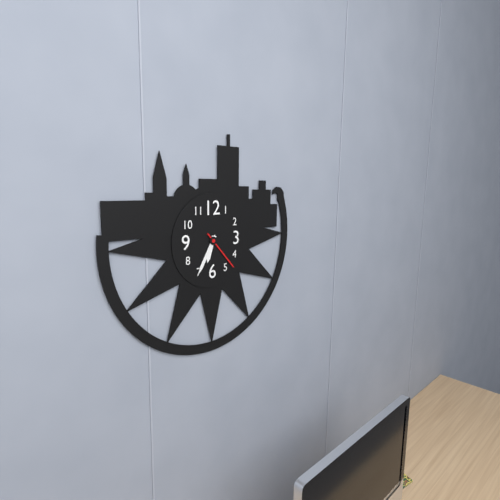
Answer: {"hour": 6, "minute": 35}
